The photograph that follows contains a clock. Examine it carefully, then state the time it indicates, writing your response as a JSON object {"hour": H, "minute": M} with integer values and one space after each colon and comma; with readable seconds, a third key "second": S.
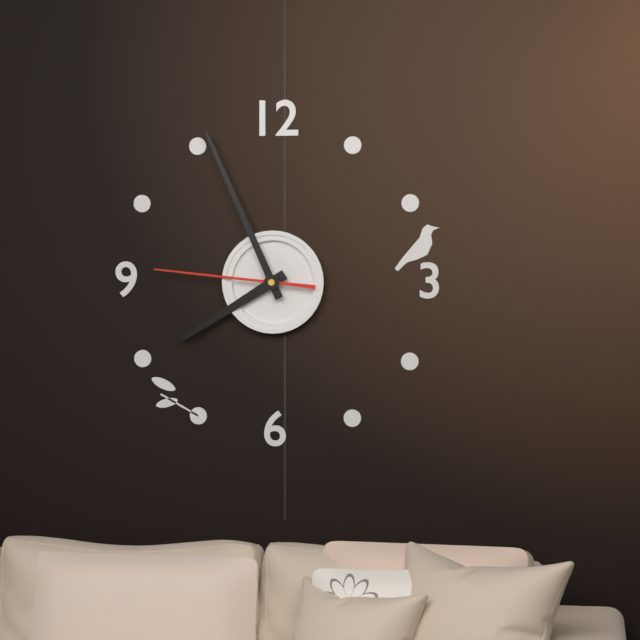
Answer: {"hour": 7, "minute": 56, "second": 46}
